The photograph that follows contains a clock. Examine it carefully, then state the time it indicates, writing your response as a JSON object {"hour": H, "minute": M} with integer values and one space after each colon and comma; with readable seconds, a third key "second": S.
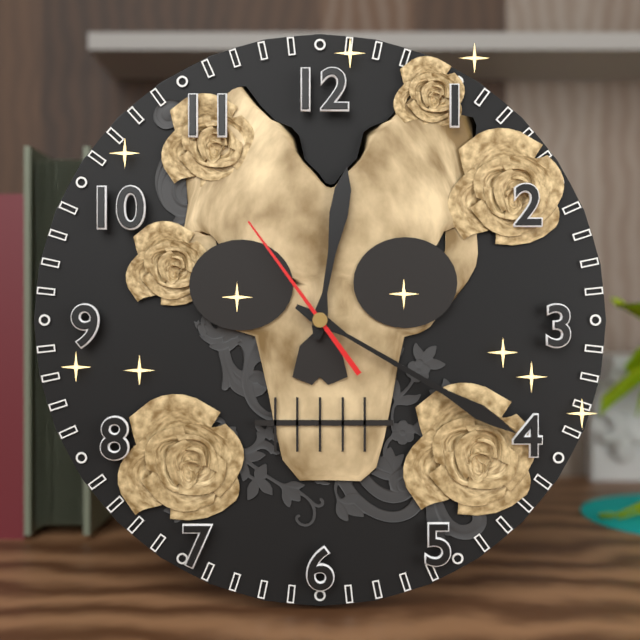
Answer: {"hour": 12, "minute": 20, "second": 54}
